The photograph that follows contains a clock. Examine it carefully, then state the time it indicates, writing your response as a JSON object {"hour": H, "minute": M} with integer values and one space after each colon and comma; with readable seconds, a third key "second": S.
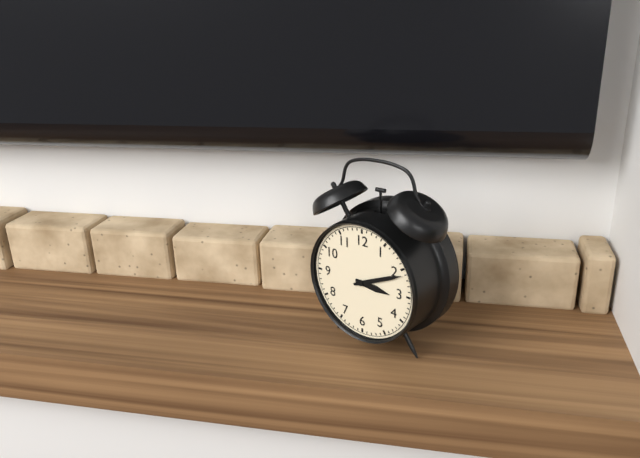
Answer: {"hour": 3, "minute": 11}
